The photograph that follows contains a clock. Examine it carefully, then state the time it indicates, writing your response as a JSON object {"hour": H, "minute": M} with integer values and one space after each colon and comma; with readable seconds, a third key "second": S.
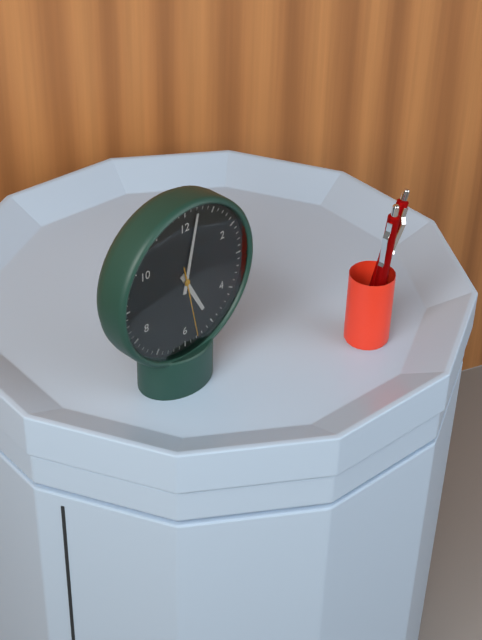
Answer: {"hour": 5, "minute": 2, "second": 28}
